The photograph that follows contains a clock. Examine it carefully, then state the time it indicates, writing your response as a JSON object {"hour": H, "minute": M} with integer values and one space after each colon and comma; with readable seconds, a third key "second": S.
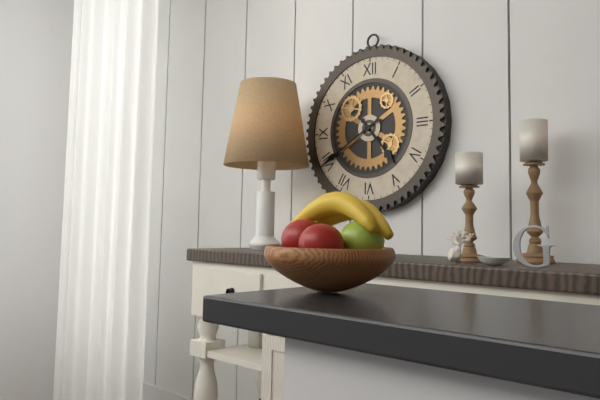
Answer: {"hour": 4, "minute": 40}
